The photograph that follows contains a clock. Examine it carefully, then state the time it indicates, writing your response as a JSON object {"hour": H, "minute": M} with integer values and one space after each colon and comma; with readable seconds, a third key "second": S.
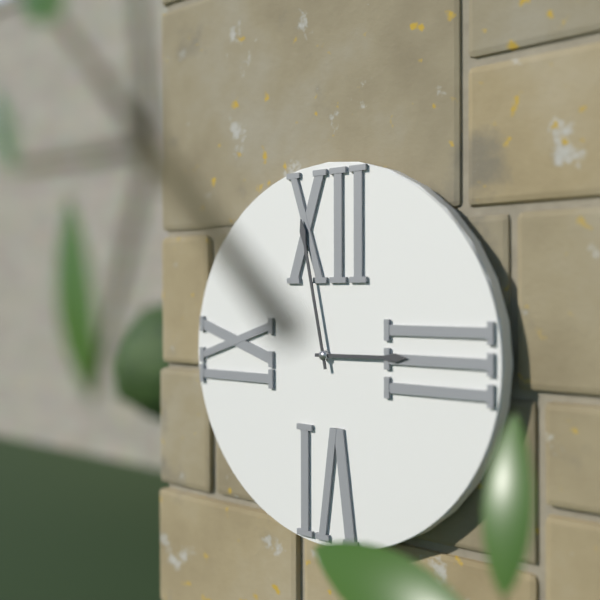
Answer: {"hour": 2, "minute": 58}
